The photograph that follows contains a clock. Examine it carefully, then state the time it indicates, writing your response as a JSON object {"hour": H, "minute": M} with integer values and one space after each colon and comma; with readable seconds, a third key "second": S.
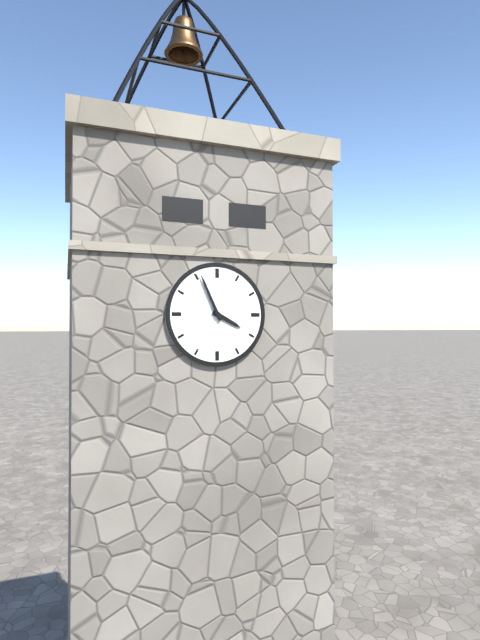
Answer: {"hour": 3, "minute": 56}
